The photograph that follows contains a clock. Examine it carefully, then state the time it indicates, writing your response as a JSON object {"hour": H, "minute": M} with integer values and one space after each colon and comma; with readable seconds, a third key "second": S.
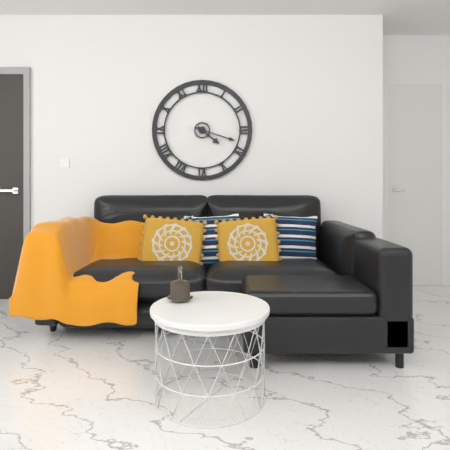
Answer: {"hour": 4, "minute": 18}
